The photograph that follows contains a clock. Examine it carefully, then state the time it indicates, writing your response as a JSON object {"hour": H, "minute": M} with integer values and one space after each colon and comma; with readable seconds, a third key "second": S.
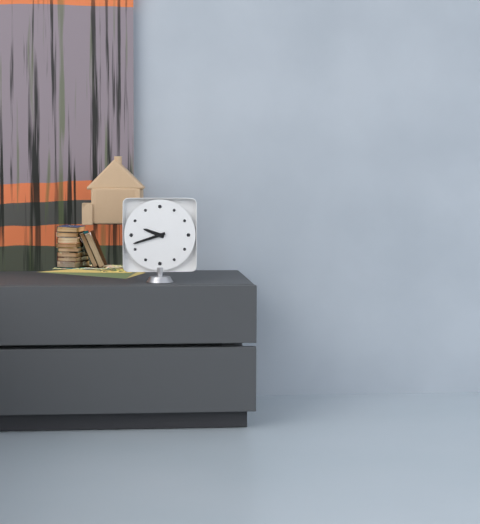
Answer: {"hour": 9, "minute": 42}
